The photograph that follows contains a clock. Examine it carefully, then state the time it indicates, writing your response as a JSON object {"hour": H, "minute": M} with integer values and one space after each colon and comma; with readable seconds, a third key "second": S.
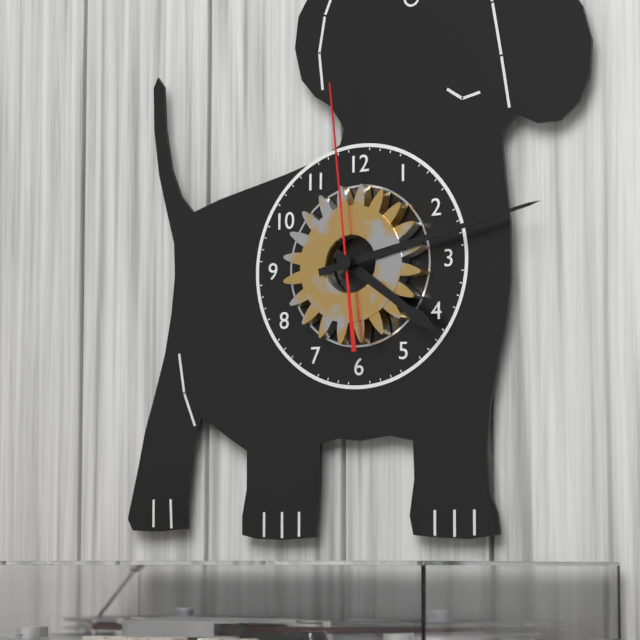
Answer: {"hour": 4, "minute": 13, "second": 59}
